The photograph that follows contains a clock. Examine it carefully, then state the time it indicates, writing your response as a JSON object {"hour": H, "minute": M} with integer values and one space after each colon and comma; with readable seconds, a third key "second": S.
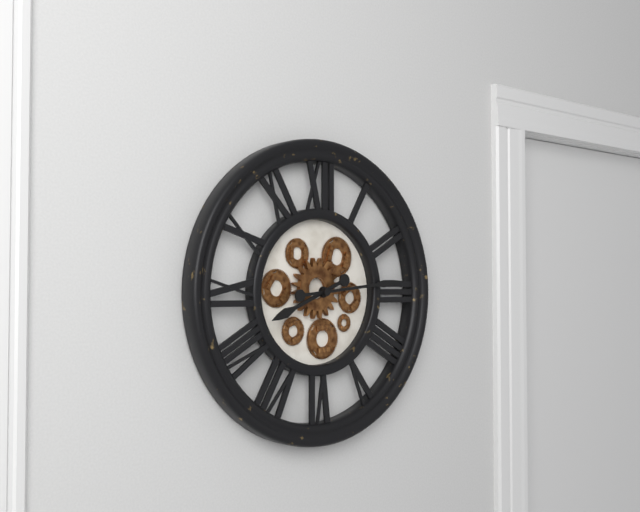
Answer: {"hour": 8, "minute": 14}
